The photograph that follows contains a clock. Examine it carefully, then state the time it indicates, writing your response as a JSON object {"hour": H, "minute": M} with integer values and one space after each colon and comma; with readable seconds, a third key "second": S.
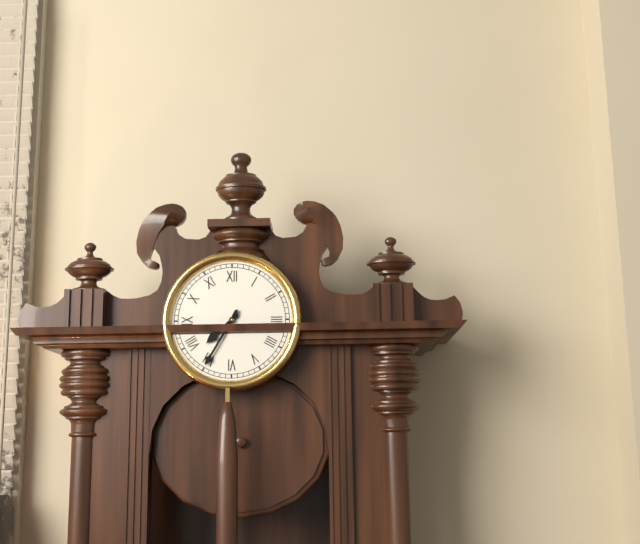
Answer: {"hour": 7, "minute": 35}
